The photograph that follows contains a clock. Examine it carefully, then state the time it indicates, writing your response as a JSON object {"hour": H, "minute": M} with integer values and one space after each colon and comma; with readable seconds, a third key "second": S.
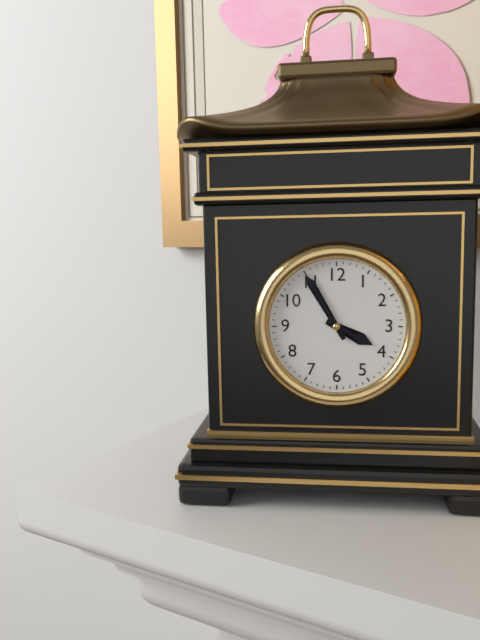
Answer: {"hour": 3, "minute": 55}
